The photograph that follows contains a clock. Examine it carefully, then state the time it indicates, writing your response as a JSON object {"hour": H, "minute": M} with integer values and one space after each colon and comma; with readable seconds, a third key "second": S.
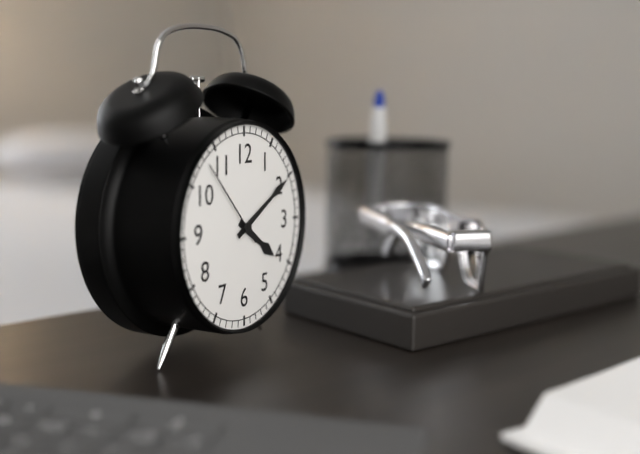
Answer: {"hour": 4, "minute": 10, "second": 53}
